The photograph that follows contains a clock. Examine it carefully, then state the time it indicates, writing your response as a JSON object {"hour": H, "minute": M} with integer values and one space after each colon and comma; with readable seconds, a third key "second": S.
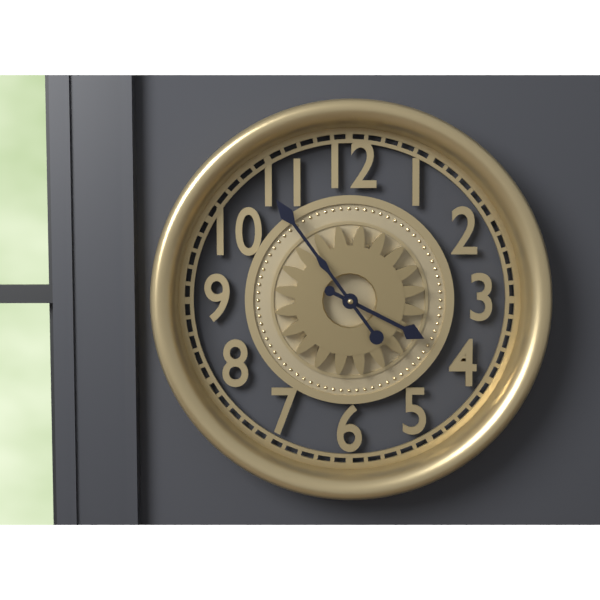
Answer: {"hour": 3, "minute": 54}
